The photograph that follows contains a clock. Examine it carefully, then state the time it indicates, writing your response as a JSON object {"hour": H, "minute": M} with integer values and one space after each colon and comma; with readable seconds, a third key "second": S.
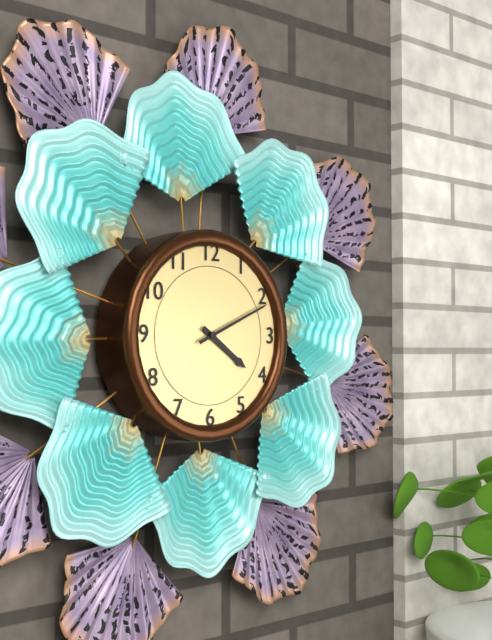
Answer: {"hour": 4, "minute": 11}
